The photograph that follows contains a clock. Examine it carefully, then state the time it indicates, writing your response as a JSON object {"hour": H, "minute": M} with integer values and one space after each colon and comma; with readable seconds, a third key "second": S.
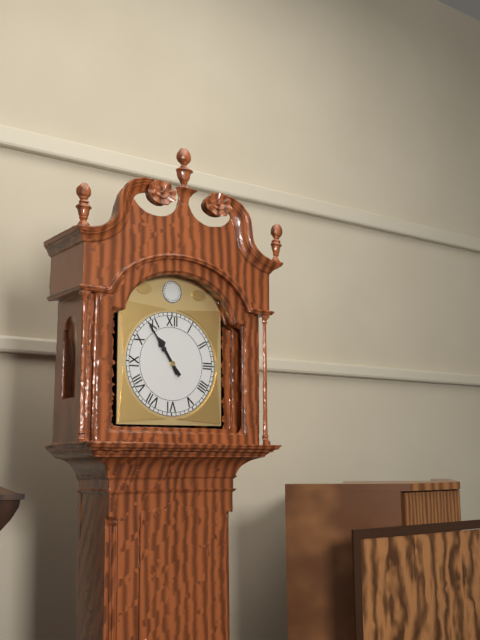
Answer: {"hour": 10, "minute": 54}
